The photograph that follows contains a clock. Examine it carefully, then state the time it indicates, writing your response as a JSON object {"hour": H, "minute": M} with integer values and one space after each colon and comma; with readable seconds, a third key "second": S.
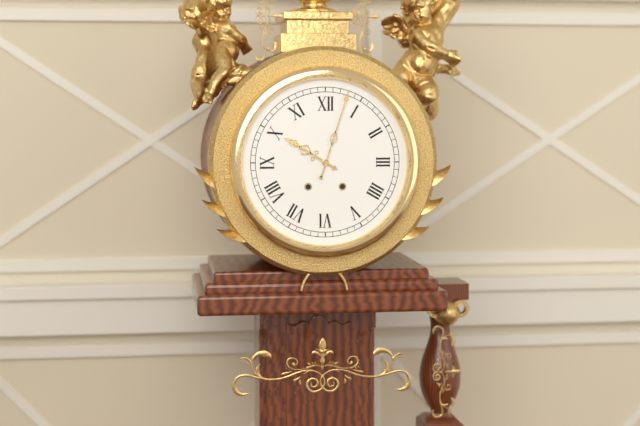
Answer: {"hour": 10, "minute": 3}
